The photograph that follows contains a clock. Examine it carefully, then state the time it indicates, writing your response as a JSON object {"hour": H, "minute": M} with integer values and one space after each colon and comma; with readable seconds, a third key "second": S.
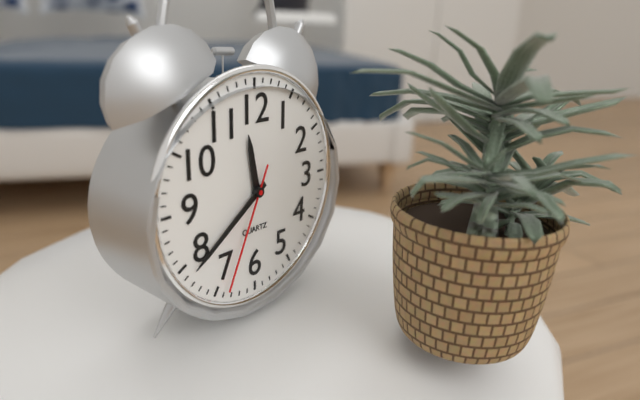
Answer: {"hour": 11, "minute": 39, "second": 34}
